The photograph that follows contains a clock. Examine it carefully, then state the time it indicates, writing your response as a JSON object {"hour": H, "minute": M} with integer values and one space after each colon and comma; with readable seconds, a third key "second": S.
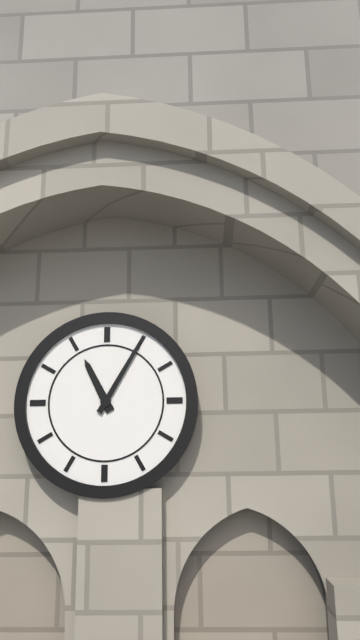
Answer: {"hour": 11, "minute": 5}
